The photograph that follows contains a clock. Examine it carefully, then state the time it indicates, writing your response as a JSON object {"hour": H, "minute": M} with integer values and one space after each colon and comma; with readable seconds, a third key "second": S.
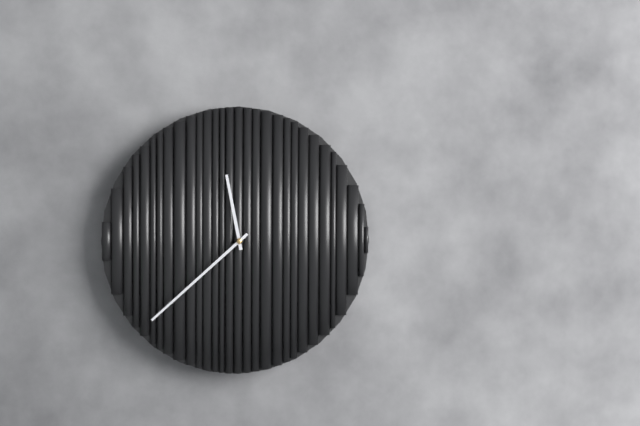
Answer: {"hour": 11, "minute": 38}
